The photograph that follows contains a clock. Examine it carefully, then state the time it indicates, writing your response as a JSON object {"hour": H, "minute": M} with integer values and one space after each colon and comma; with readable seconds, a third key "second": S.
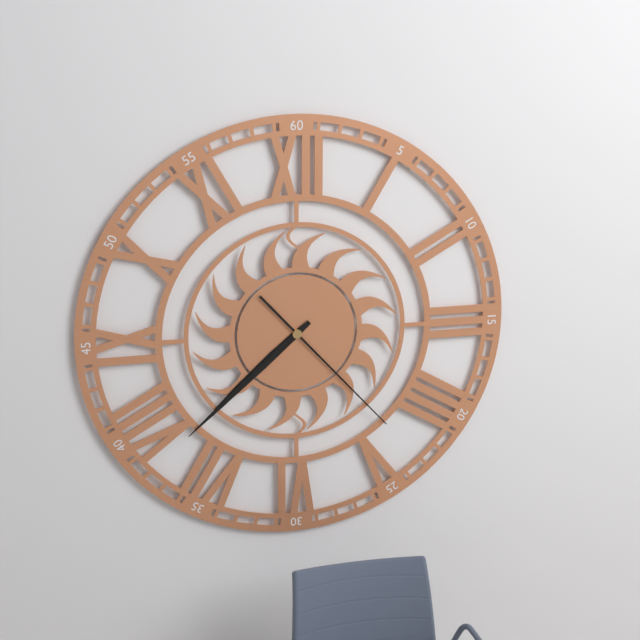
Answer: {"hour": 7, "minute": 38, "second": 23}
